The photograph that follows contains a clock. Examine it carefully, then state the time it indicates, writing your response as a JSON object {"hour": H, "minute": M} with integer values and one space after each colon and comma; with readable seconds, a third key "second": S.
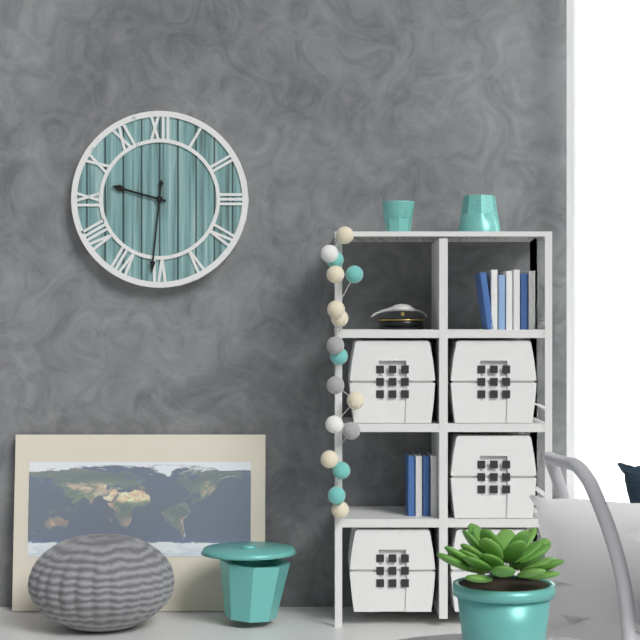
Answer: {"hour": 9, "minute": 31}
